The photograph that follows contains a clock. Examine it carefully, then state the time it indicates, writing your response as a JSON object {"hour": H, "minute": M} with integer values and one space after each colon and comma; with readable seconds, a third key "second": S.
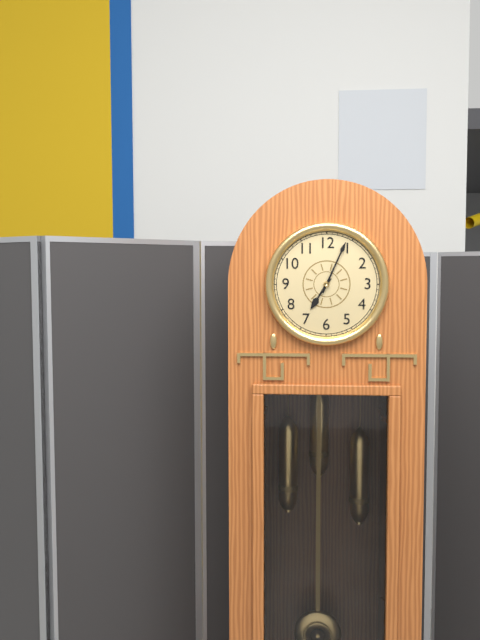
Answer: {"hour": 7, "minute": 4}
